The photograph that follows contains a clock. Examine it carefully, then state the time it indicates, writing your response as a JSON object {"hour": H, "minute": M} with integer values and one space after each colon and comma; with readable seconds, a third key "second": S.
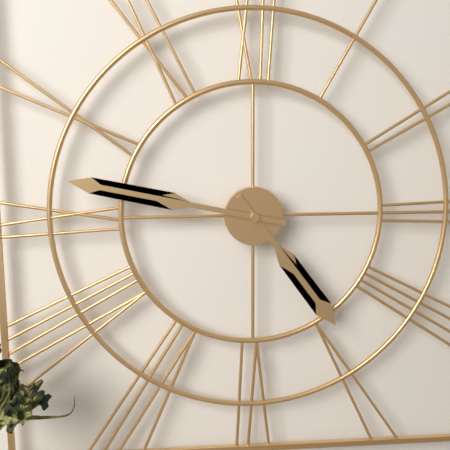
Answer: {"hour": 4, "minute": 47}
